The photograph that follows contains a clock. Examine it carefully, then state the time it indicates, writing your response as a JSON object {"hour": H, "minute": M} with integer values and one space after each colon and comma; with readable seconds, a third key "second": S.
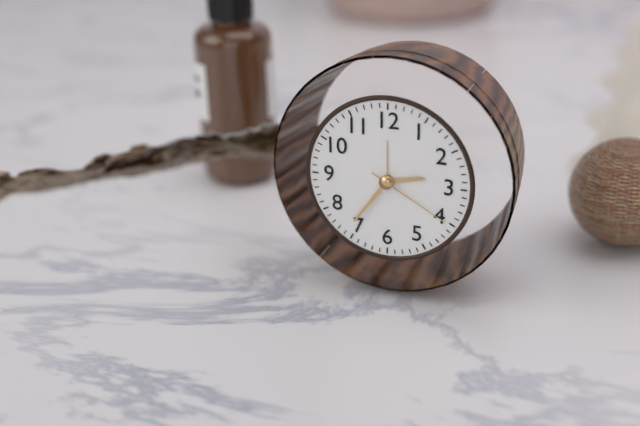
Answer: {"hour": 2, "minute": 36, "second": 20}
